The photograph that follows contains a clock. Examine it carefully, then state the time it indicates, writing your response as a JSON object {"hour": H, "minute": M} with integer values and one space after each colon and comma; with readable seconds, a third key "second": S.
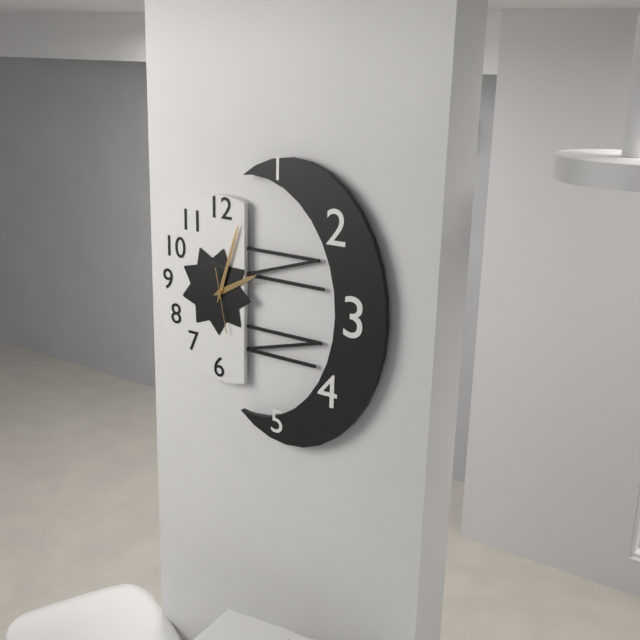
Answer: {"hour": 2, "minute": 3, "second": 28}
